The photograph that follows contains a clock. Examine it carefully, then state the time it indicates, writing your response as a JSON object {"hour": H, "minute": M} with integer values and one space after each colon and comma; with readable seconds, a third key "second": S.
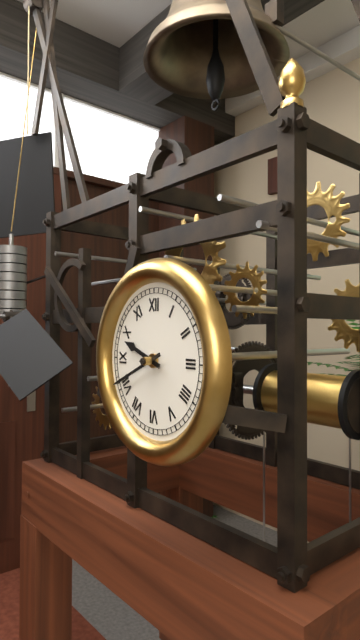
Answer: {"hour": 9, "minute": 41}
